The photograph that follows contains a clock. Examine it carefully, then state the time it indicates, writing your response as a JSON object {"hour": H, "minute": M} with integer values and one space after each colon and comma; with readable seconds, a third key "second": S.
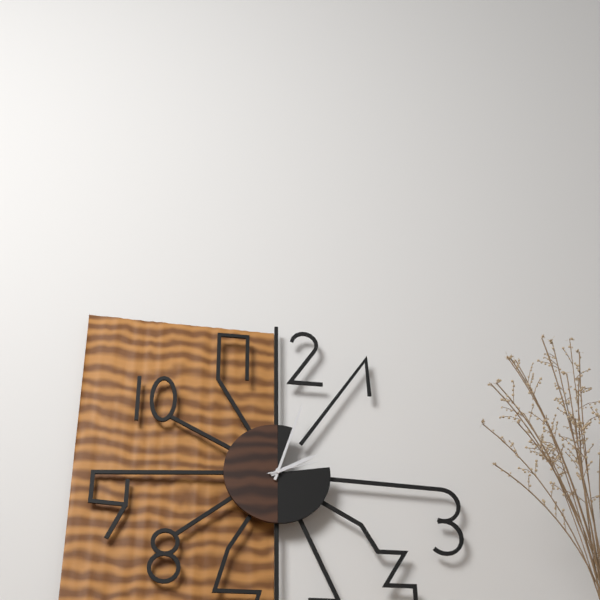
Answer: {"hour": 2, "minute": 3, "second": 12}
